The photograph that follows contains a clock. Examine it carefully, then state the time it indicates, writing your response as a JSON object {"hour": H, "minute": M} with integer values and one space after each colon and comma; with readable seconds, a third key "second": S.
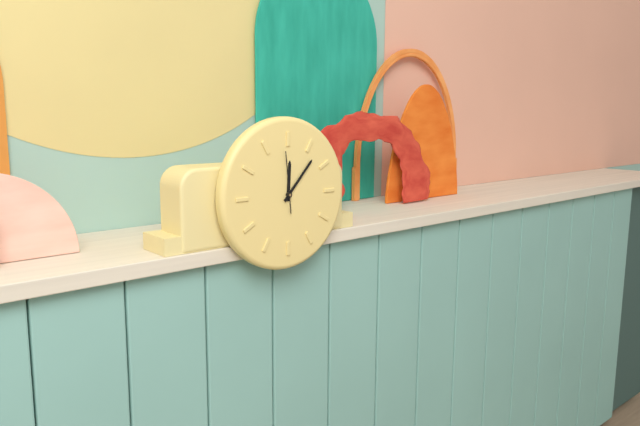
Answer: {"hour": 12, "minute": 7, "second": 59}
